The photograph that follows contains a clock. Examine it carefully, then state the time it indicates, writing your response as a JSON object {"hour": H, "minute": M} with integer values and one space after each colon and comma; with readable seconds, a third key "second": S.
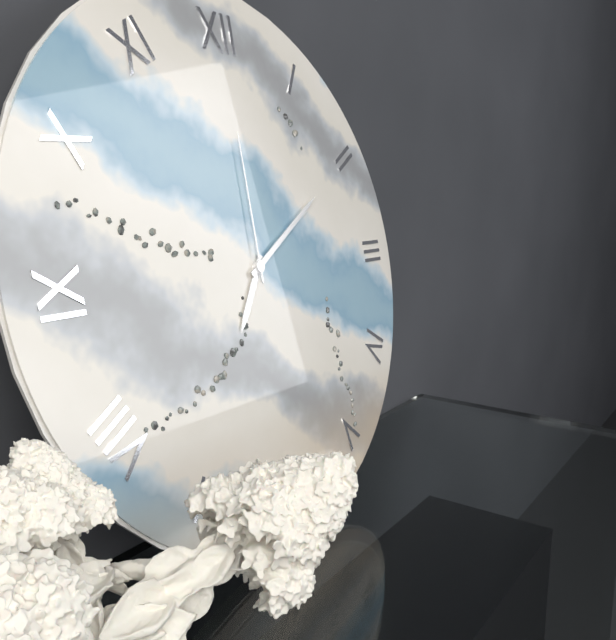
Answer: {"hour": 7, "minute": 10, "second": 0}
